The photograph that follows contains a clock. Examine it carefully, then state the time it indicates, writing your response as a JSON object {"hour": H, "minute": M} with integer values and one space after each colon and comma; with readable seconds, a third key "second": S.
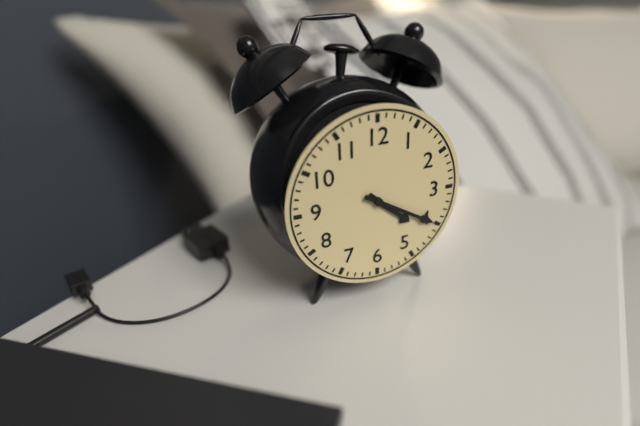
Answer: {"hour": 4, "minute": 20}
